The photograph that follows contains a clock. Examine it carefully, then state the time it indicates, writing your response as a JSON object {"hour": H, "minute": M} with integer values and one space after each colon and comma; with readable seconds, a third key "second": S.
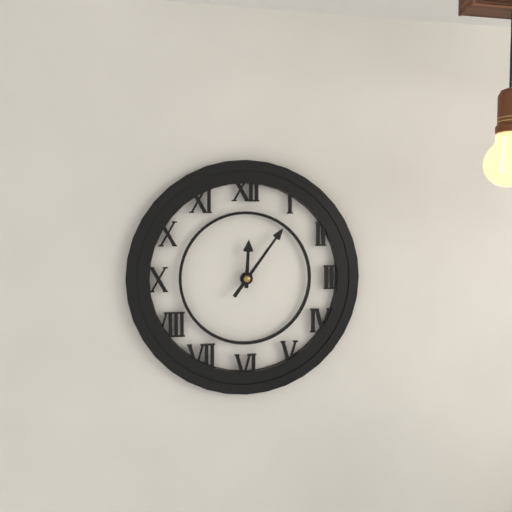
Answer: {"hour": 12, "minute": 6}
